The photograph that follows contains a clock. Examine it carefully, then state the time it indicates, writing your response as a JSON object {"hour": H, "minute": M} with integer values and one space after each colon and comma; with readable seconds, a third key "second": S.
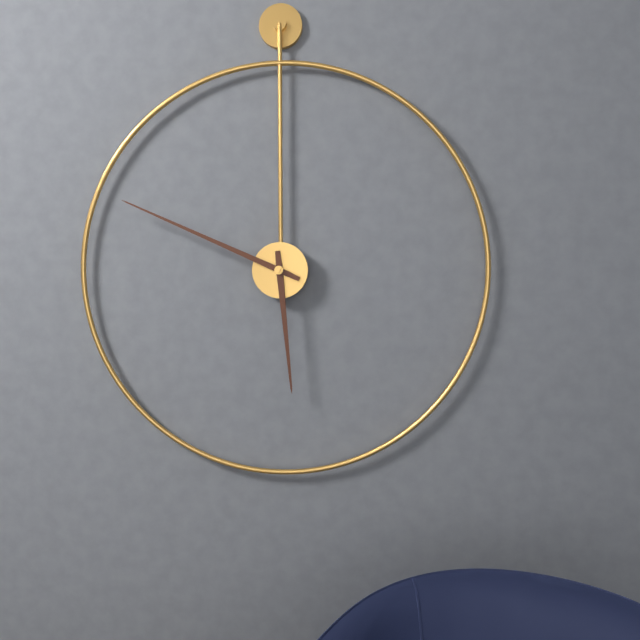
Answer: {"hour": 5, "minute": 49}
